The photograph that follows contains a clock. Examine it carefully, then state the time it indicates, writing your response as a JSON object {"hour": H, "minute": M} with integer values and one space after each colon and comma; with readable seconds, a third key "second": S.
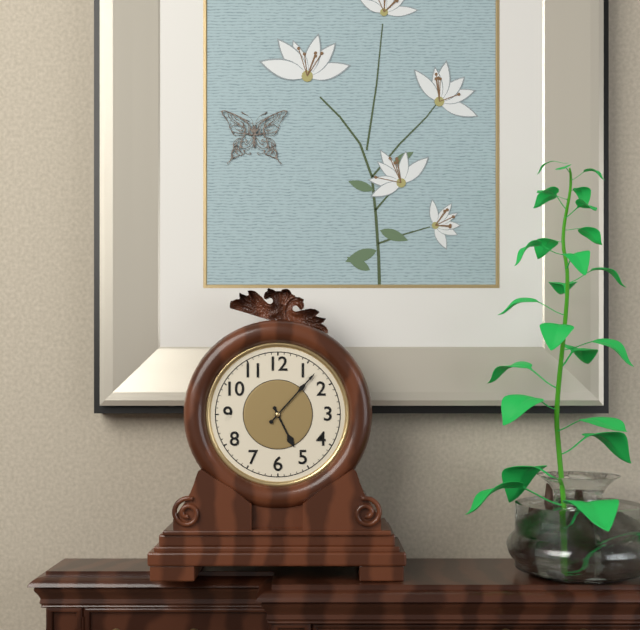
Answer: {"hour": 5, "minute": 7}
